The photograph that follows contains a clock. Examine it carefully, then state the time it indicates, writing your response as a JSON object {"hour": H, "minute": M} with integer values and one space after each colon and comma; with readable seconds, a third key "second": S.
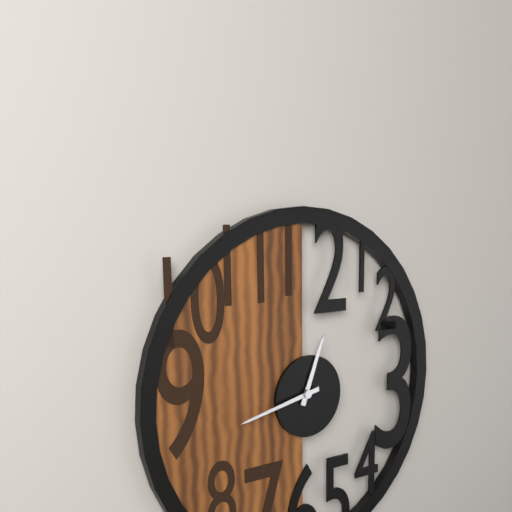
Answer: {"hour": 12, "minute": 43}
